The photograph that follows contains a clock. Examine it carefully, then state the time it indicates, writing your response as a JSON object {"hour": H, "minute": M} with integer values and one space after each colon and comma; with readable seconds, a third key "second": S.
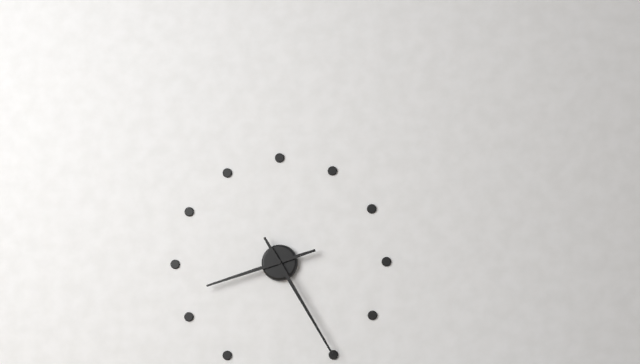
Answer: {"hour": 8, "minute": 25}
